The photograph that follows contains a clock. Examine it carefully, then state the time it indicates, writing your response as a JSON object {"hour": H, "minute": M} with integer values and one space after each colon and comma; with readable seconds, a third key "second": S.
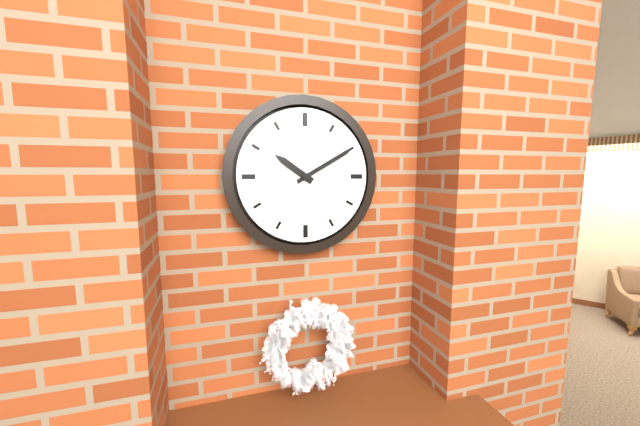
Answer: {"hour": 10, "minute": 10}
